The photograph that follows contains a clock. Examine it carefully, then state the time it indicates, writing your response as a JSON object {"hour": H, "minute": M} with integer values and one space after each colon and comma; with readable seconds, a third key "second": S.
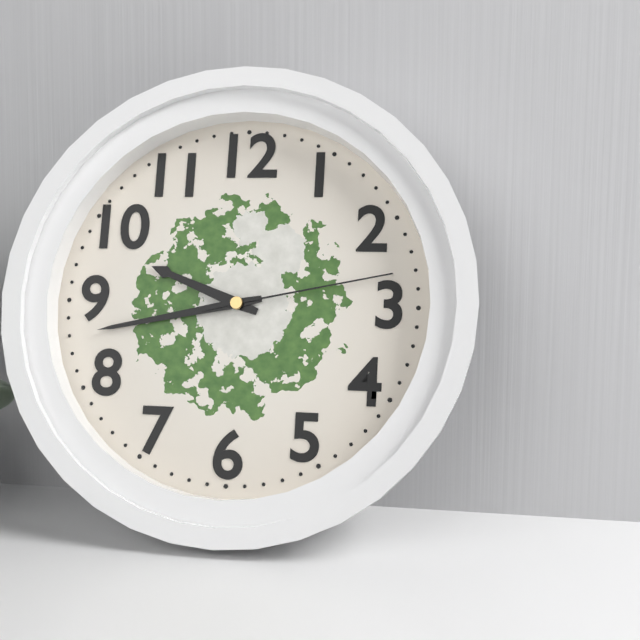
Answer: {"hour": 9, "minute": 43, "second": 13}
